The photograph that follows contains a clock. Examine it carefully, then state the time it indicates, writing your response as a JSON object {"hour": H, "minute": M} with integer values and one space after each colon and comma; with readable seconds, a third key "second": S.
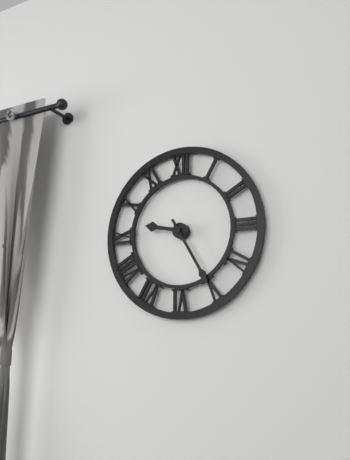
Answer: {"hour": 9, "minute": 25}
